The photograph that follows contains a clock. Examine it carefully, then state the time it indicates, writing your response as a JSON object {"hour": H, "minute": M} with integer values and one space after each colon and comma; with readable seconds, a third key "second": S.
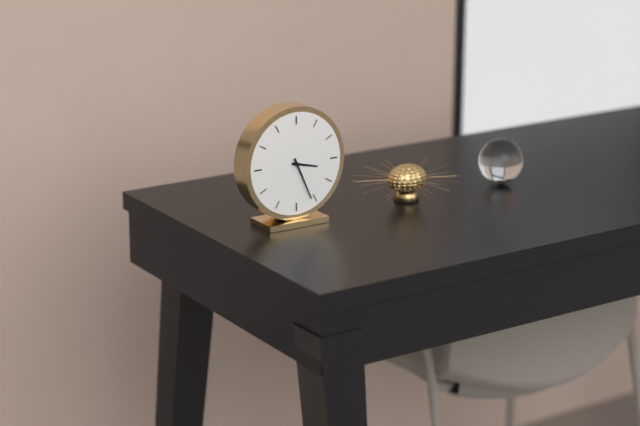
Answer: {"hour": 3, "minute": 26}
